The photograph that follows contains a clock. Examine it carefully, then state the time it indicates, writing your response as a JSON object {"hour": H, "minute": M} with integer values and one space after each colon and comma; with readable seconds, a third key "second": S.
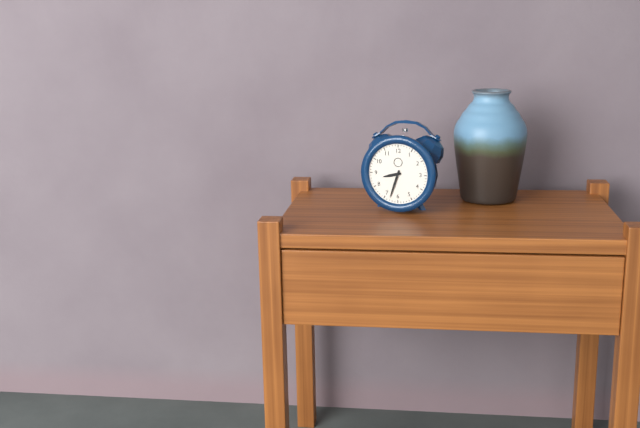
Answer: {"hour": 8, "minute": 33}
